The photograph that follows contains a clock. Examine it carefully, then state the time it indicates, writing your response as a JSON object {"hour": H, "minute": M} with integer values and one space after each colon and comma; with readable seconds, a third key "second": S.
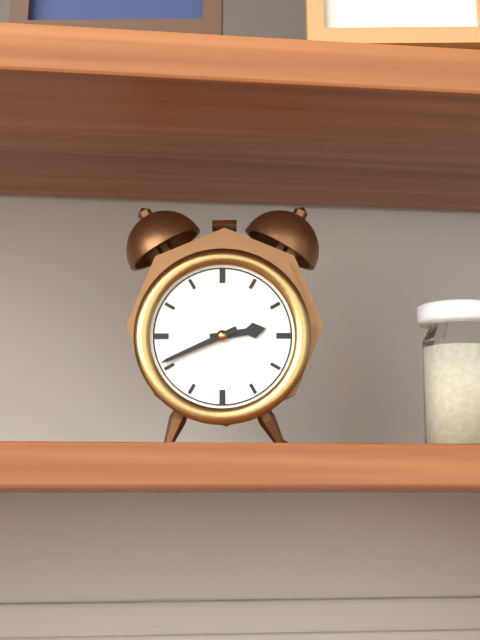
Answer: {"hour": 2, "minute": 41}
